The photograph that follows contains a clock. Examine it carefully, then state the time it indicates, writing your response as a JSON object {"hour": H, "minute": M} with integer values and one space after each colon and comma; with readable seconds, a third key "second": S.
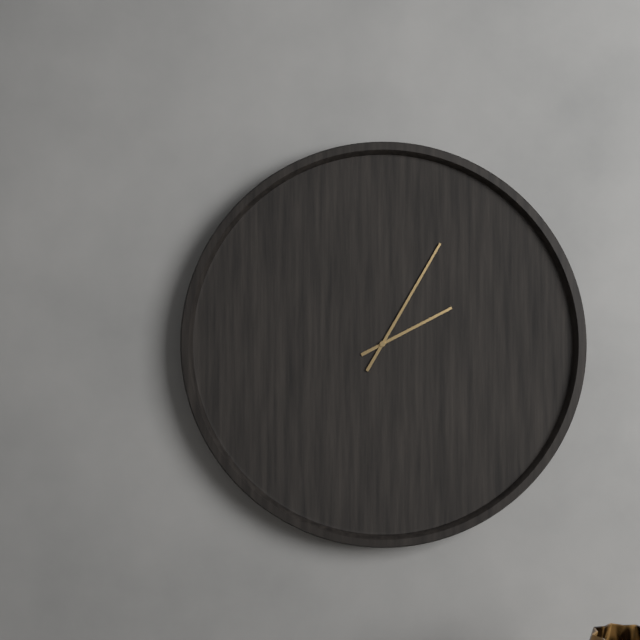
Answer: {"hour": 2, "minute": 5}
